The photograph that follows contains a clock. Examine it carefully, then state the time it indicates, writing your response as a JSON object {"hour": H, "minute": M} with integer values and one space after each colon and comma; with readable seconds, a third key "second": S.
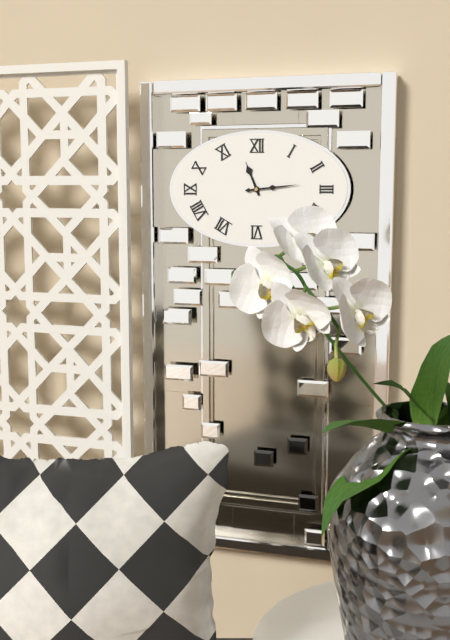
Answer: {"hour": 11, "minute": 14}
